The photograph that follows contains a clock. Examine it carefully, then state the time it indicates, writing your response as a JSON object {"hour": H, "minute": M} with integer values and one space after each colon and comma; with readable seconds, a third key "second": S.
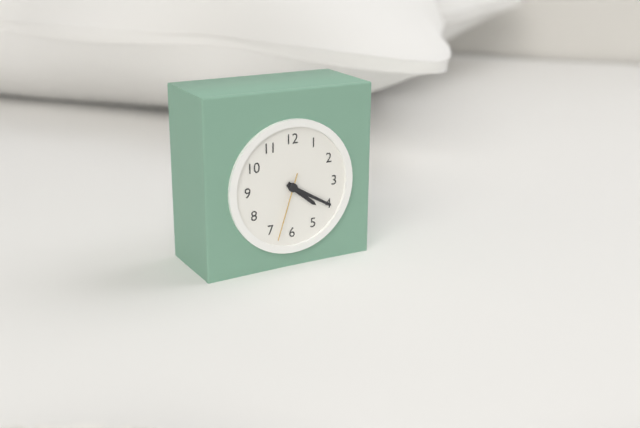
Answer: {"hour": 4, "minute": 20, "second": 33}
